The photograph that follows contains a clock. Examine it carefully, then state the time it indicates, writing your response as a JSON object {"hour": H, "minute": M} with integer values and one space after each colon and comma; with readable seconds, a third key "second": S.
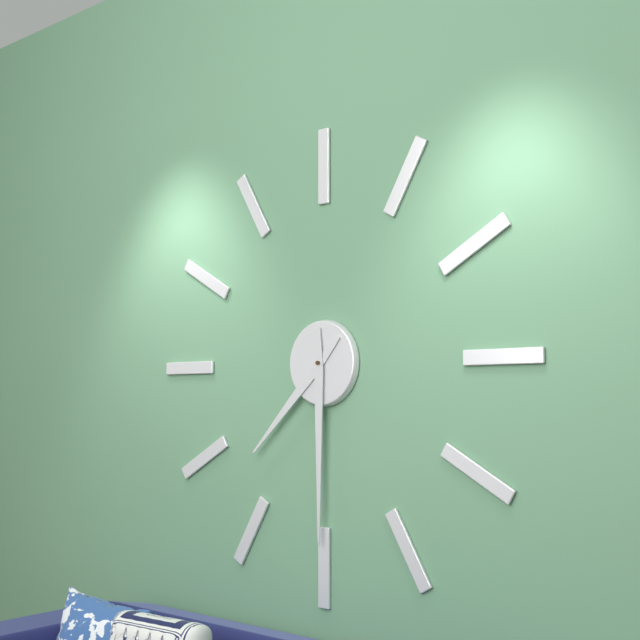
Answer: {"hour": 7, "minute": 30}
